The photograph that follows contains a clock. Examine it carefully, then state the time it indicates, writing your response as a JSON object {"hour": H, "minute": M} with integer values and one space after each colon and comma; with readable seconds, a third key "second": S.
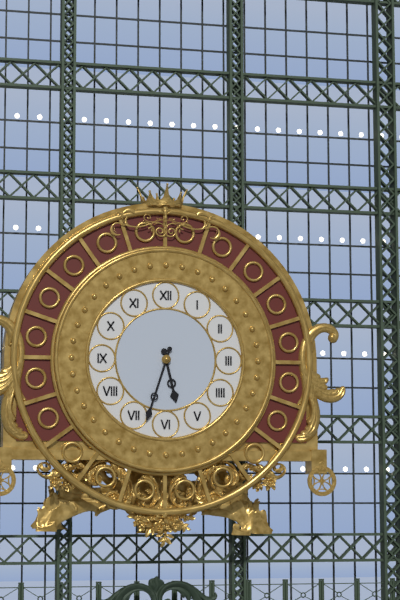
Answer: {"hour": 5, "minute": 33}
